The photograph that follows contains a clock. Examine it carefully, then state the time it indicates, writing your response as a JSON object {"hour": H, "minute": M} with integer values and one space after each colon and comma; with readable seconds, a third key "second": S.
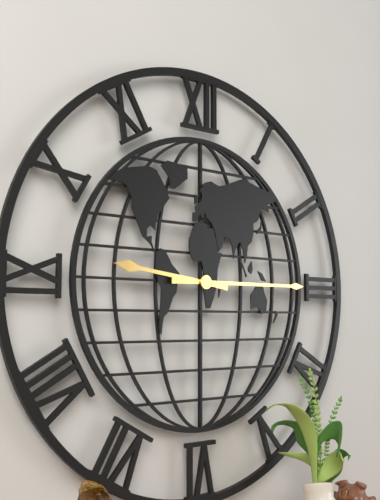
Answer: {"hour": 9, "minute": 15}
